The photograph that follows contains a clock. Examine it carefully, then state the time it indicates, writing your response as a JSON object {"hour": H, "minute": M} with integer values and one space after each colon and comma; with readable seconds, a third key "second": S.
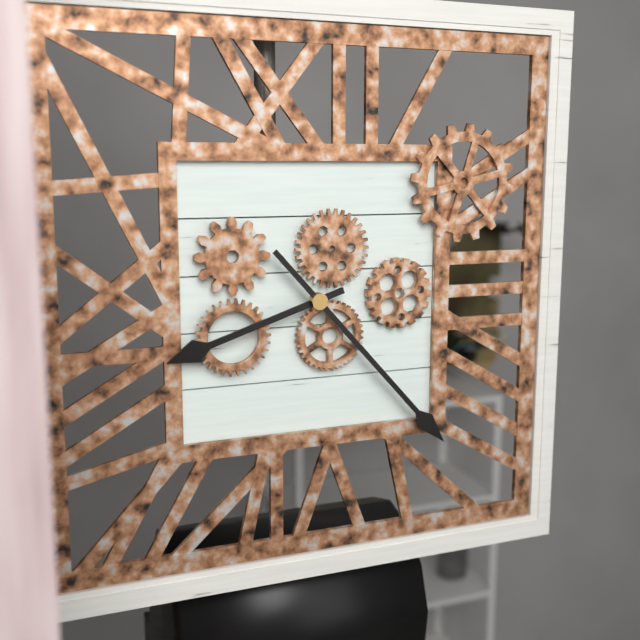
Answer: {"hour": 8, "minute": 23}
